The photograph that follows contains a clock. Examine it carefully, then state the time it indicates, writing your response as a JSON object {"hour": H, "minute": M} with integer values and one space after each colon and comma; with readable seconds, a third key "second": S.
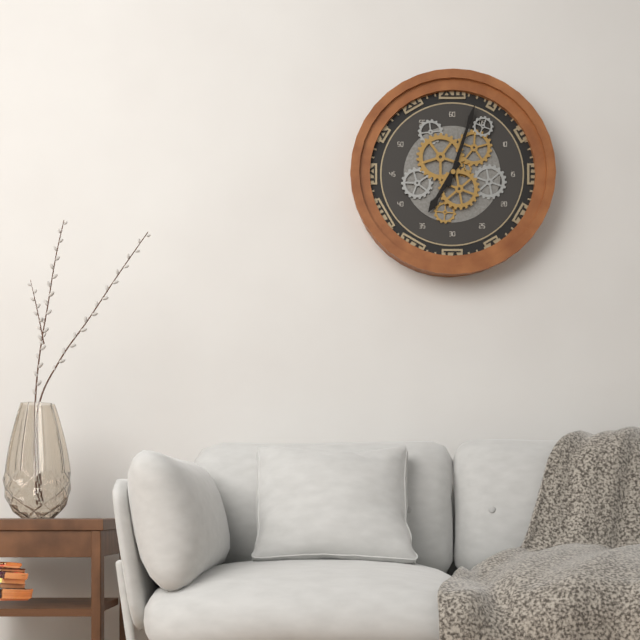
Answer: {"hour": 7, "minute": 3}
